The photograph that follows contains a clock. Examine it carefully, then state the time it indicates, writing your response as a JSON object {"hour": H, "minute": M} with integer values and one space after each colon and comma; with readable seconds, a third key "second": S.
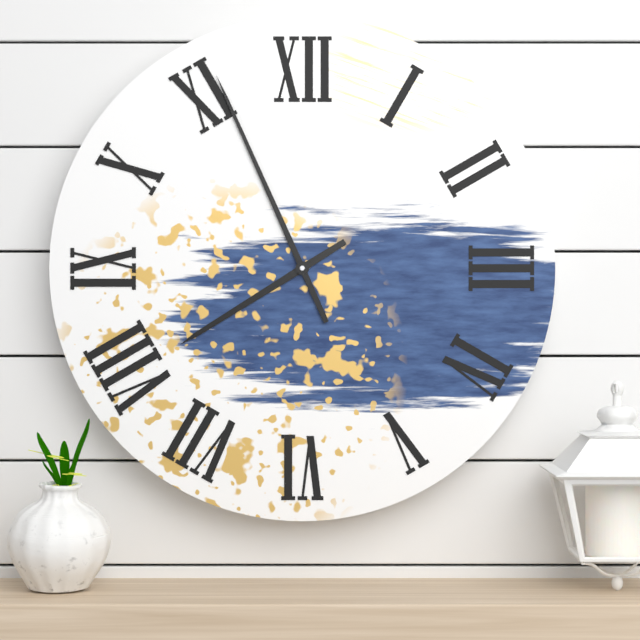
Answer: {"hour": 7, "minute": 56}
